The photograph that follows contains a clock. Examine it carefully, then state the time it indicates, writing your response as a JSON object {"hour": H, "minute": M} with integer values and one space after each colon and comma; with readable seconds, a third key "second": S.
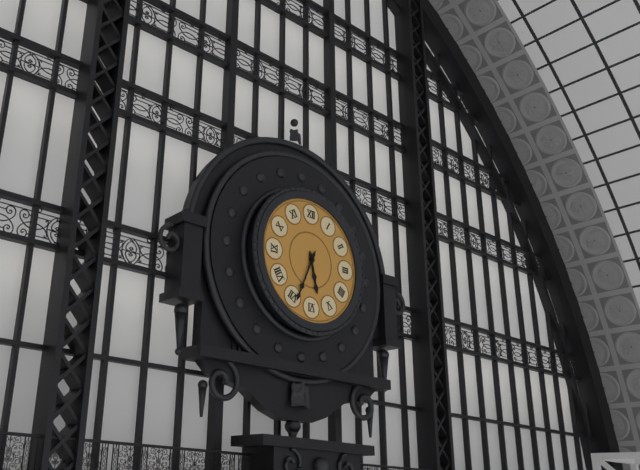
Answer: {"hour": 5, "minute": 34}
